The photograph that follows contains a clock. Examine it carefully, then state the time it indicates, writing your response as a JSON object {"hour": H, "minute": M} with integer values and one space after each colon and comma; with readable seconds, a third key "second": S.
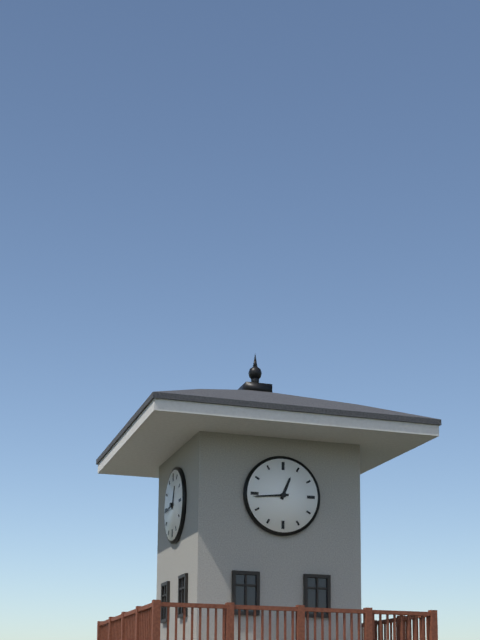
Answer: {"hour": 12, "minute": 44}
